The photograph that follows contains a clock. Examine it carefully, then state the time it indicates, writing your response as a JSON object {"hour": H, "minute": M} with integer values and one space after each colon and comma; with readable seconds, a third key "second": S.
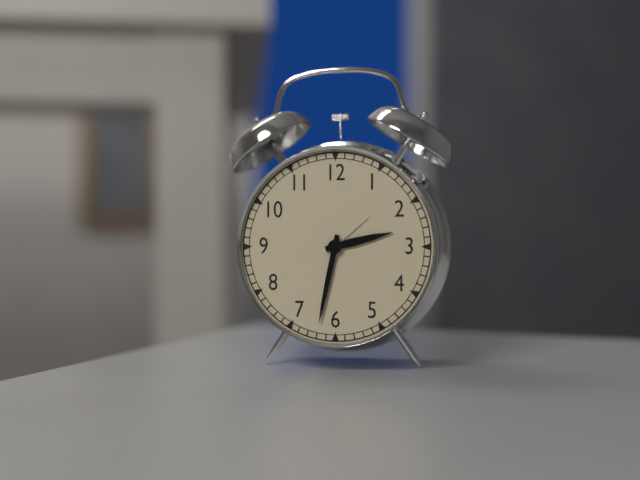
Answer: {"hour": 2, "minute": 32}
